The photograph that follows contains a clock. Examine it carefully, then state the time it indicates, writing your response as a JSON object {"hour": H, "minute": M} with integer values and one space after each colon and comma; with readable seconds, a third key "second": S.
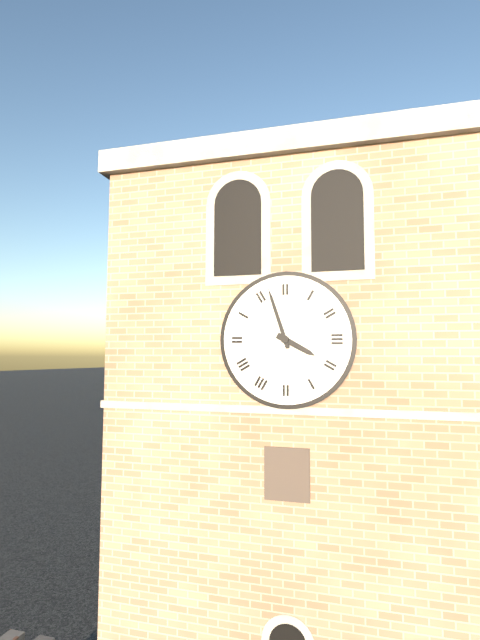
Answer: {"hour": 3, "minute": 57}
